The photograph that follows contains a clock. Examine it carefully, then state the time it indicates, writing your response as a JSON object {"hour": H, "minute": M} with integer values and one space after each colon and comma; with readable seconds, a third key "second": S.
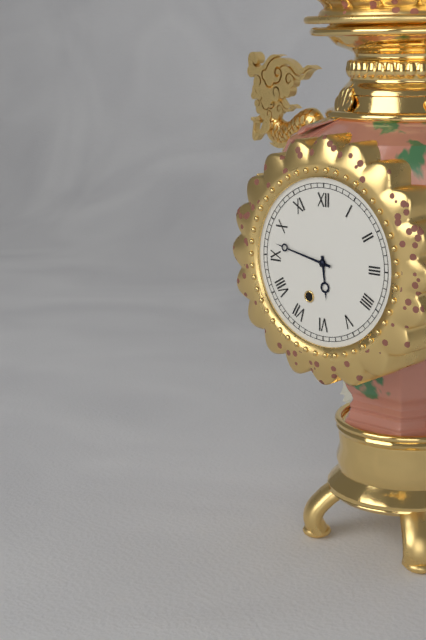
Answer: {"hour": 5, "minute": 47}
